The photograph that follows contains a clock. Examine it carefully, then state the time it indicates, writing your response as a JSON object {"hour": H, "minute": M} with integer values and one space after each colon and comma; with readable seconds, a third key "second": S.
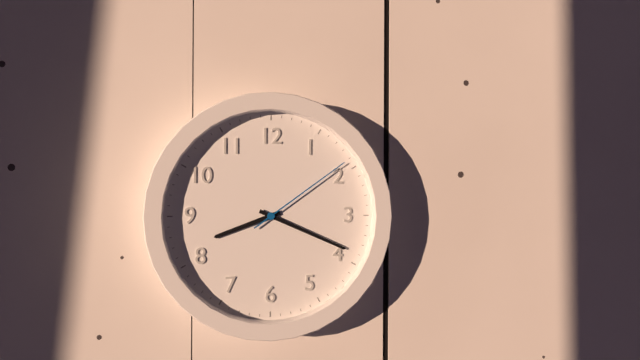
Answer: {"hour": 8, "minute": 19, "second": 9}
